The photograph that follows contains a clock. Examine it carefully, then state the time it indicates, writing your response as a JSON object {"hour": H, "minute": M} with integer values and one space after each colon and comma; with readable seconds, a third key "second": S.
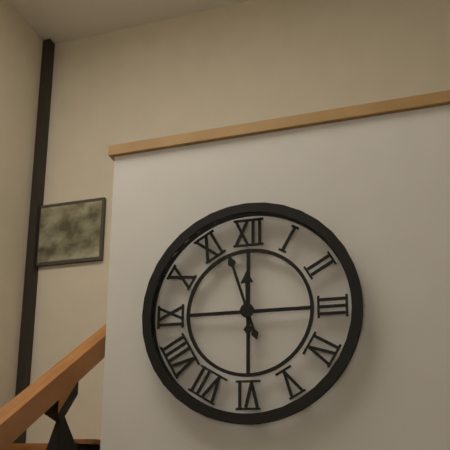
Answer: {"hour": 11, "minute": 57}
